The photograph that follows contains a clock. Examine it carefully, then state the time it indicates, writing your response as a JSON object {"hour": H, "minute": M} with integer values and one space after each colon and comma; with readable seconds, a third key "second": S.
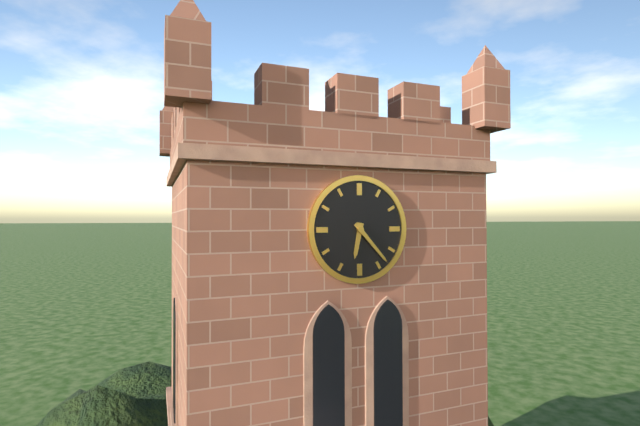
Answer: {"hour": 6, "minute": 23}
